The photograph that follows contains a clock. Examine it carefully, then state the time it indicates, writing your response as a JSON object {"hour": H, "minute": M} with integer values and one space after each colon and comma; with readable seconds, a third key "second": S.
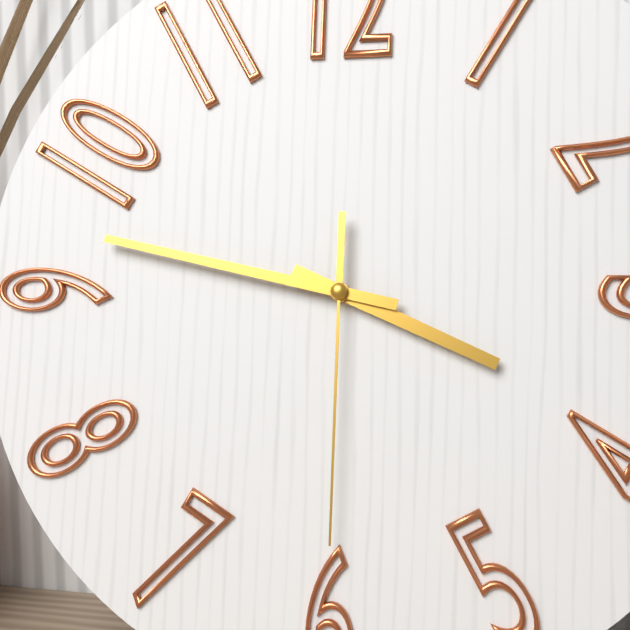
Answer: {"hour": 3, "minute": 47, "second": 30}
